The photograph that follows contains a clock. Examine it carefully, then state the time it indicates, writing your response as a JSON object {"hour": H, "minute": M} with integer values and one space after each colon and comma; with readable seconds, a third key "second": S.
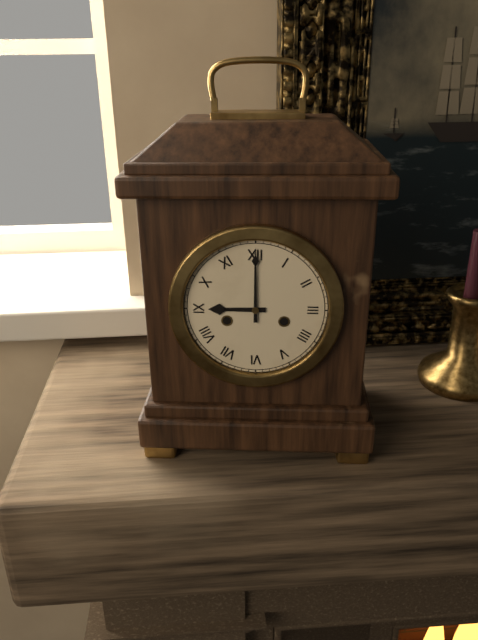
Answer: {"hour": 9, "minute": 0}
